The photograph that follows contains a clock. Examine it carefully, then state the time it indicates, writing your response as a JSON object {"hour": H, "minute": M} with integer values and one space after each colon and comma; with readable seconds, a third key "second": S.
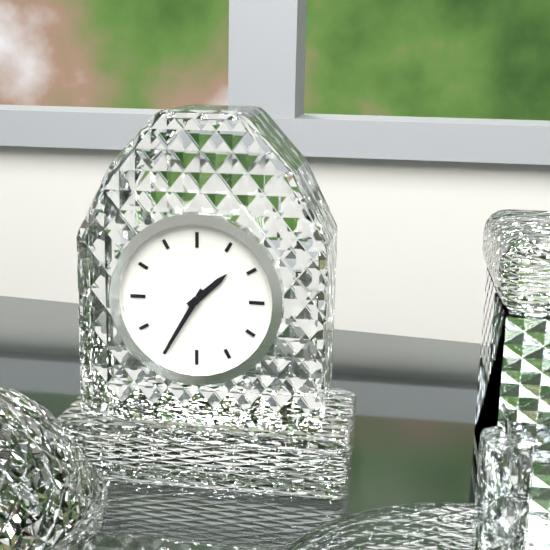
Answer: {"hour": 1, "minute": 35}
